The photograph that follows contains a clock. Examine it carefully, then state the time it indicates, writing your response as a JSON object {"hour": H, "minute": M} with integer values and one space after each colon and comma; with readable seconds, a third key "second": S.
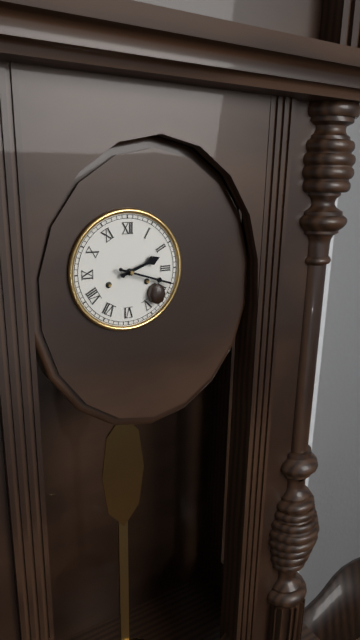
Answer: {"hour": 2, "minute": 18}
